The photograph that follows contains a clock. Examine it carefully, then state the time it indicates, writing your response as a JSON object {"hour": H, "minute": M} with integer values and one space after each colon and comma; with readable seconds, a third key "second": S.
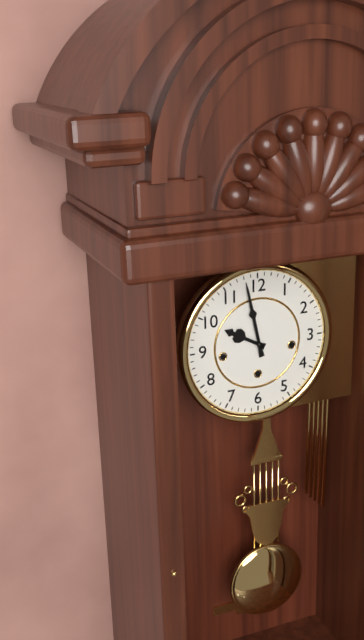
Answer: {"hour": 9, "minute": 58}
